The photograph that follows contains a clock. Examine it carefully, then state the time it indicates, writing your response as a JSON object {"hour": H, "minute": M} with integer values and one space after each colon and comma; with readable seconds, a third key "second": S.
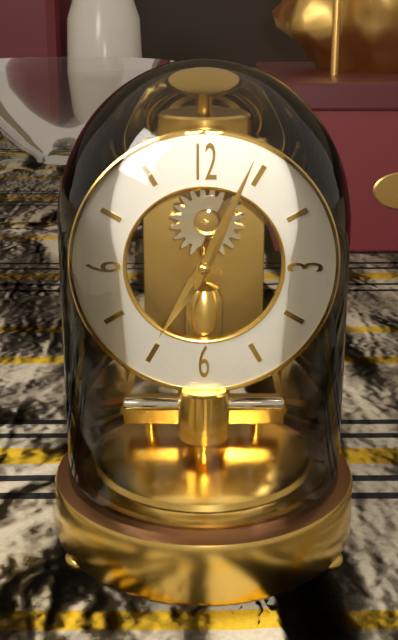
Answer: {"hour": 7, "minute": 4}
